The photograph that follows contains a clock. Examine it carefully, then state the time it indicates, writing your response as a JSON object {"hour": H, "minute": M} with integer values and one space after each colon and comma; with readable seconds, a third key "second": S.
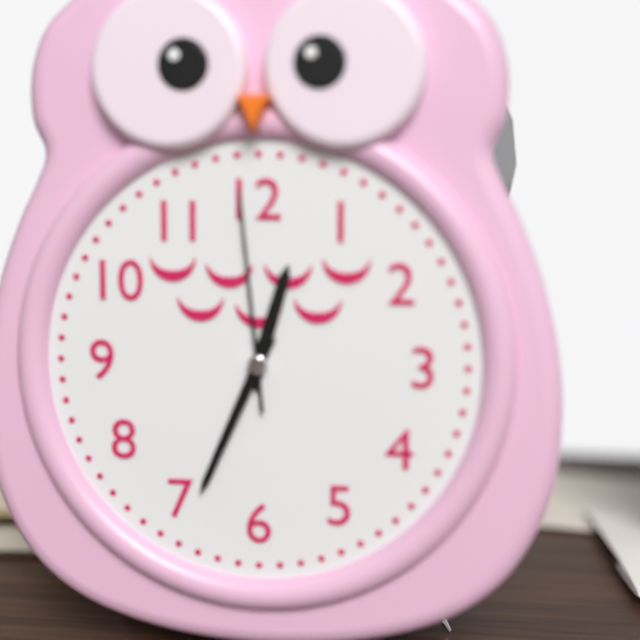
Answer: {"hour": 12, "minute": 34, "second": 59}
